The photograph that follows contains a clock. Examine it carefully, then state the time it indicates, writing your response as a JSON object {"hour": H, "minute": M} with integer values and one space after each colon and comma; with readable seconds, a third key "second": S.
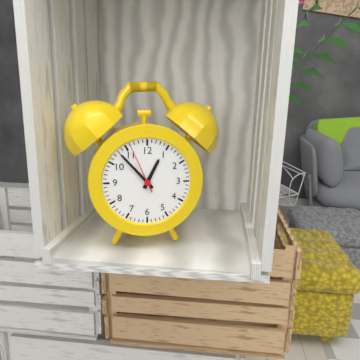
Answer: {"hour": 12, "minute": 53, "second": 56}
